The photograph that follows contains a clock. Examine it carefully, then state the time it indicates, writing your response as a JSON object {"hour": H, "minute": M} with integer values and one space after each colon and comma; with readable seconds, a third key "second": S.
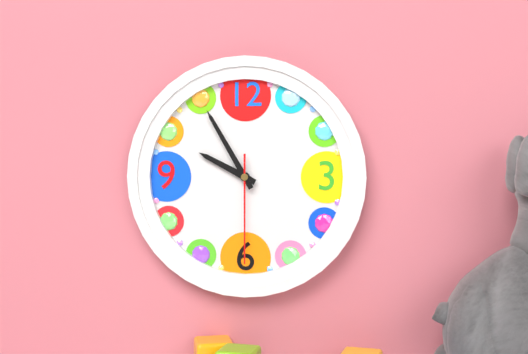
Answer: {"hour": 9, "minute": 55, "second": 30}
